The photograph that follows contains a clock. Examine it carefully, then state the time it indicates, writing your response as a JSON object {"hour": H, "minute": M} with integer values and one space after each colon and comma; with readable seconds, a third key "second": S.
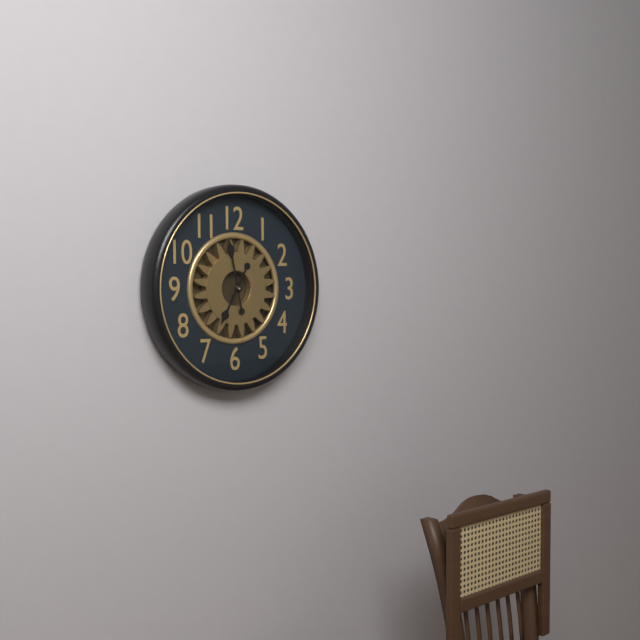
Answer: {"hour": 6, "minute": 58}
